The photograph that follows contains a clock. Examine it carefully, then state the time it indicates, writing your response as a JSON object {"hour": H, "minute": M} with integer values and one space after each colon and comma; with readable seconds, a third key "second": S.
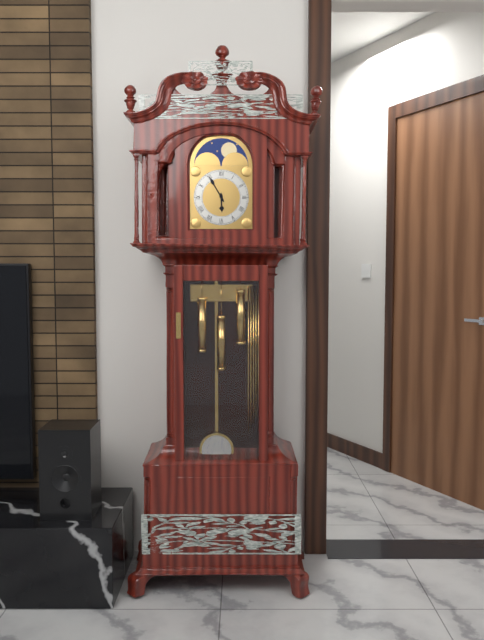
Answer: {"hour": 5, "minute": 55}
